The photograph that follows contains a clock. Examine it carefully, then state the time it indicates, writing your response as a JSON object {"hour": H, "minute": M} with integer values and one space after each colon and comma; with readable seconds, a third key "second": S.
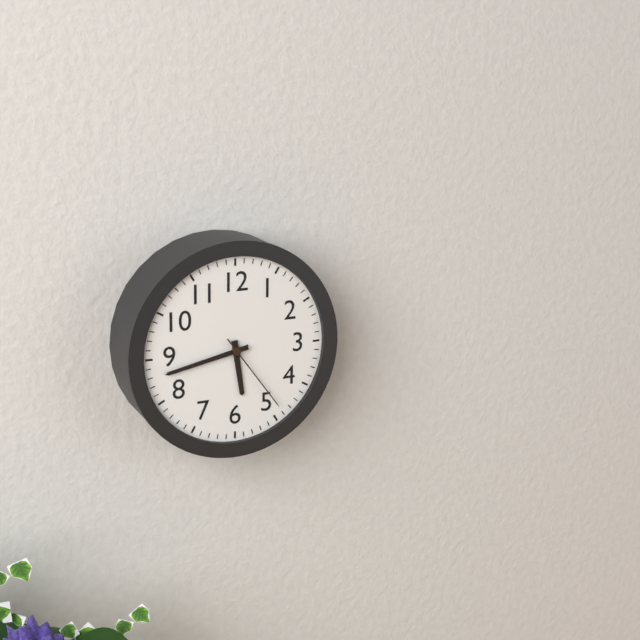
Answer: {"hour": 5, "minute": 43, "second": 24}
